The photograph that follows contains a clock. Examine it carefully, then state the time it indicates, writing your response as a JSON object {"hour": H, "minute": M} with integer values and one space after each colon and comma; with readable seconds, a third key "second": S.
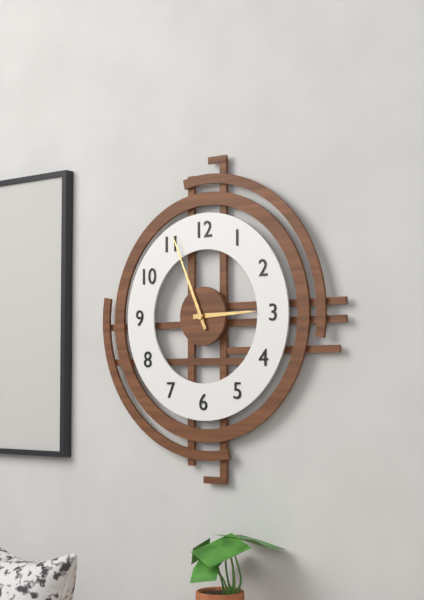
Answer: {"hour": 2, "minute": 56}
